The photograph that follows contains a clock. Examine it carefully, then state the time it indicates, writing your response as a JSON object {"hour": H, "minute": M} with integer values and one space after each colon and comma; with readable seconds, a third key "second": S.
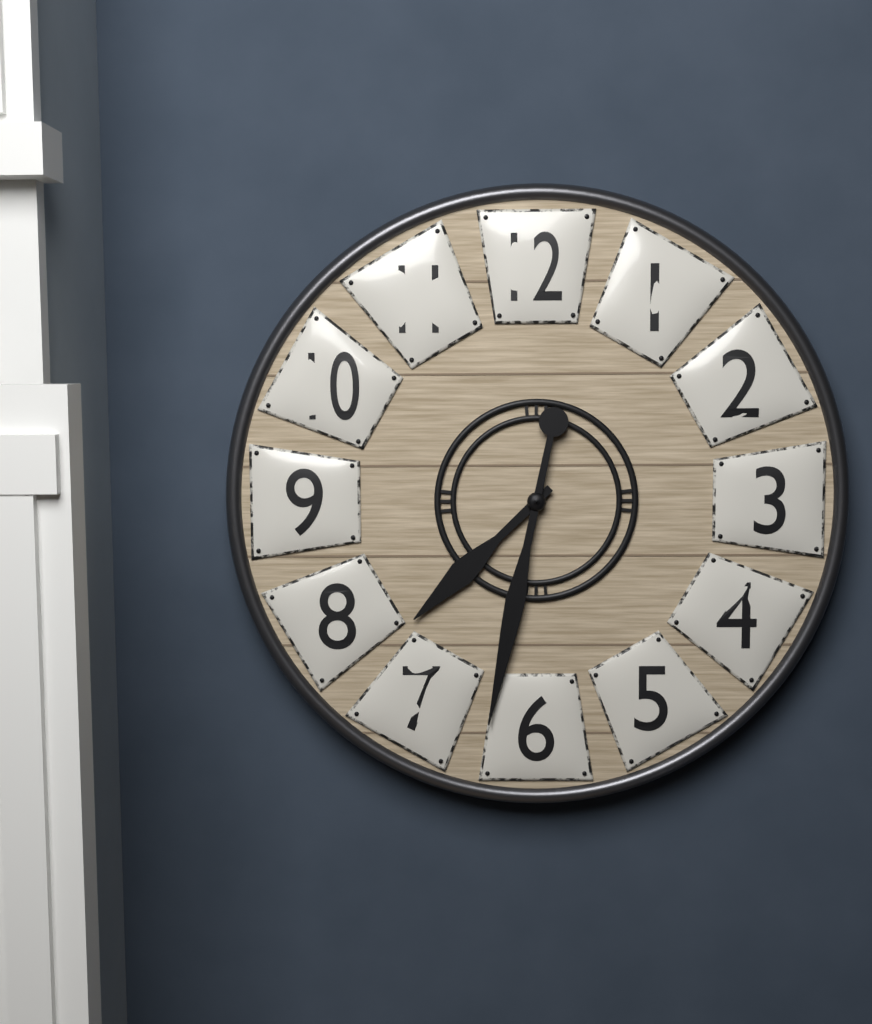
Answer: {"hour": 7, "minute": 32}
